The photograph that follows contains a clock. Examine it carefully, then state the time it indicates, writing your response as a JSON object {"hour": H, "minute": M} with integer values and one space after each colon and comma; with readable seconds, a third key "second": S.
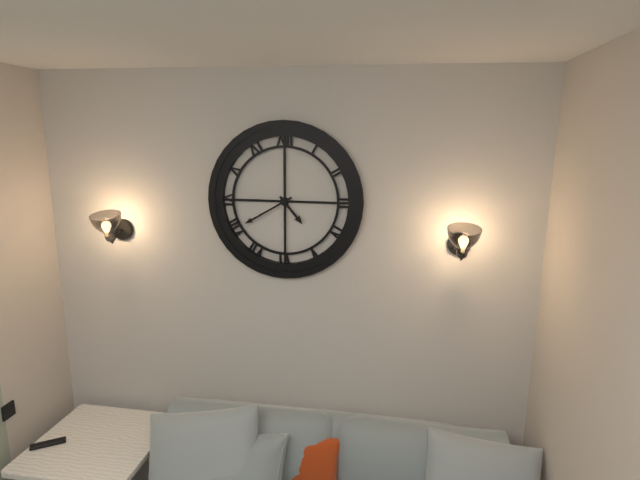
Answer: {"hour": 4, "minute": 40}
